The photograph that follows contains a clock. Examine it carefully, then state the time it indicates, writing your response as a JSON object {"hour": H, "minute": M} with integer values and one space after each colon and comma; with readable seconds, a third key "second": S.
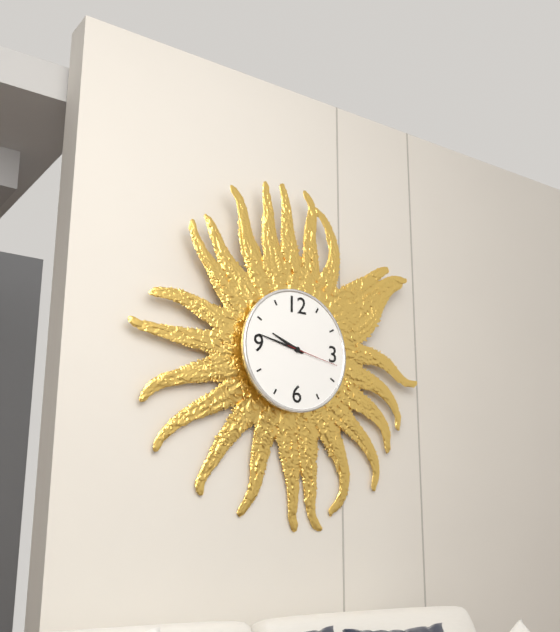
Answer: {"hour": 9, "minute": 47, "second": 17}
